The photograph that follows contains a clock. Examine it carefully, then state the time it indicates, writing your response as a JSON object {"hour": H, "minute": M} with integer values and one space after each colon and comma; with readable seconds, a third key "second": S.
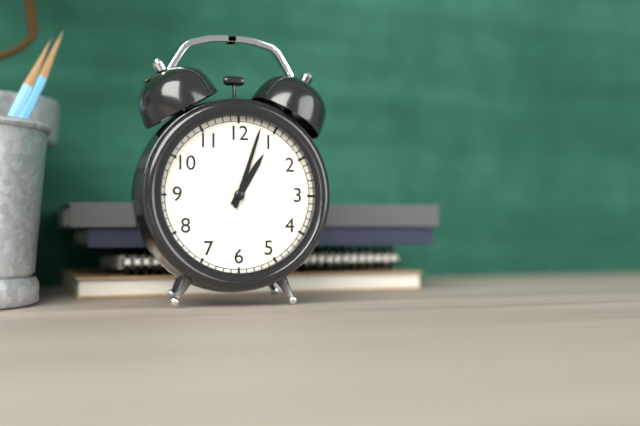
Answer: {"hour": 1, "minute": 3}
